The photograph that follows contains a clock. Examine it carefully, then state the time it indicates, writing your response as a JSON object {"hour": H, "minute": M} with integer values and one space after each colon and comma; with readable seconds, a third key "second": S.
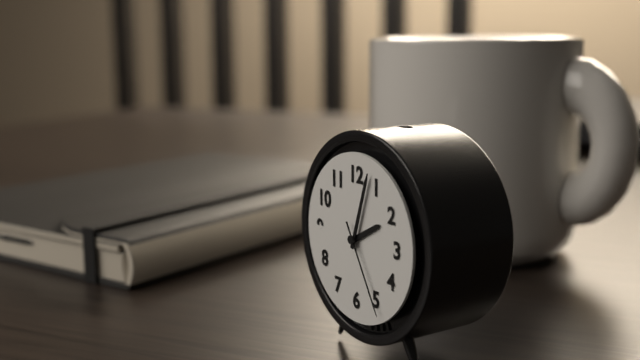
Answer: {"hour": 2, "minute": 3, "second": 25}
